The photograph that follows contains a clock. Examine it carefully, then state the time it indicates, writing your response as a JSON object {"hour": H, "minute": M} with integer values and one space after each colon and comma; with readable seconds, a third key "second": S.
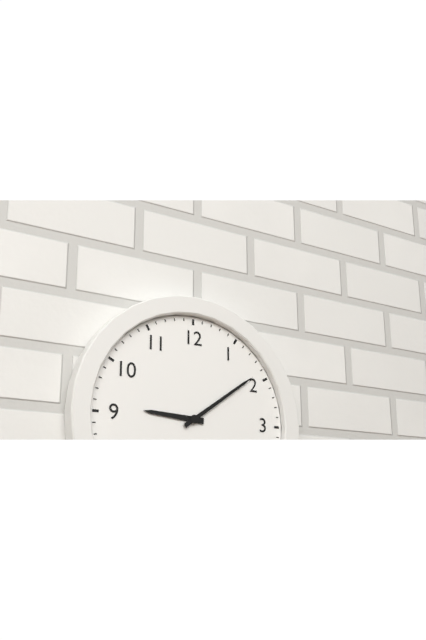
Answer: {"hour": 9, "minute": 9}
